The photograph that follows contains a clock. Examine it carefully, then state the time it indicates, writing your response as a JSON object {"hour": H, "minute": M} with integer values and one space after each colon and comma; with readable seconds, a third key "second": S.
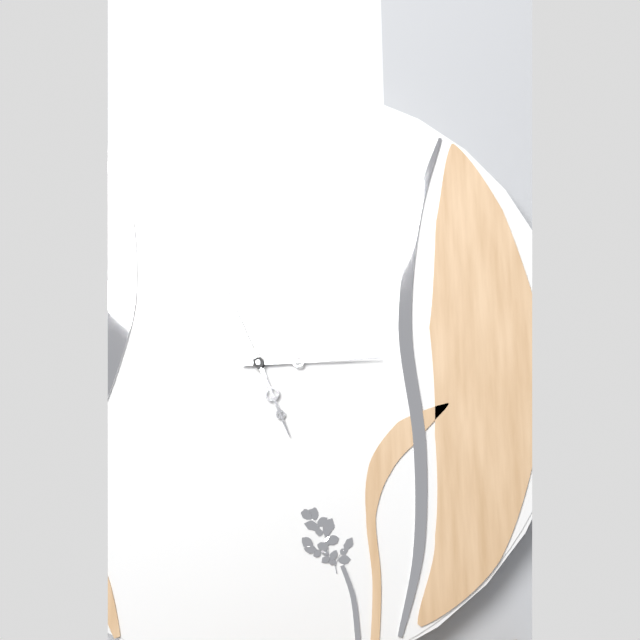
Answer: {"hour": 5, "minute": 15, "second": 56}
